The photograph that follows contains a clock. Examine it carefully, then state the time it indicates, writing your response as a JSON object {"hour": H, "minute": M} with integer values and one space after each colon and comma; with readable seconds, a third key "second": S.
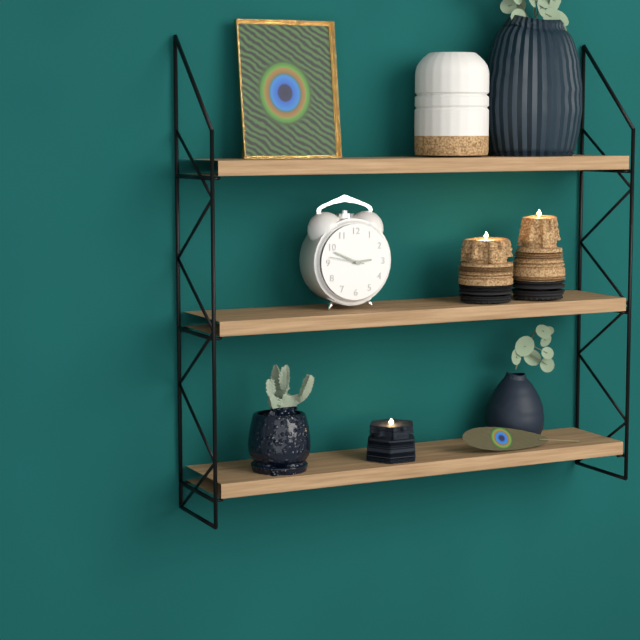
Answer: {"hour": 2, "minute": 49}
